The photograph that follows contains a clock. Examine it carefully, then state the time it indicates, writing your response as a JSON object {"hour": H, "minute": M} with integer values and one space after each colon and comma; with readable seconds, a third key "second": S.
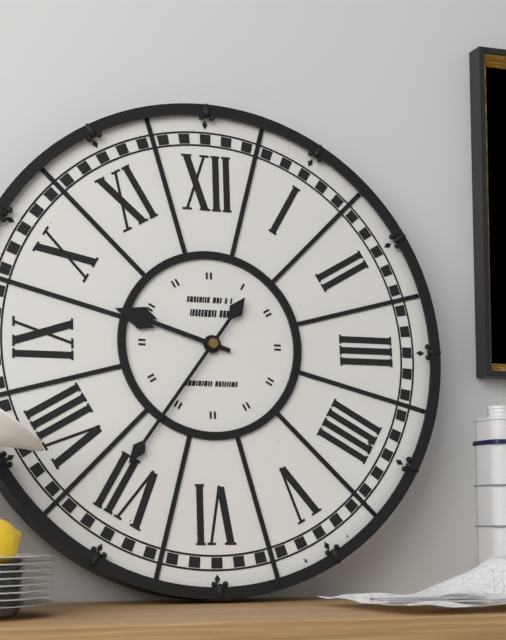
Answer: {"hour": 9, "minute": 36}
